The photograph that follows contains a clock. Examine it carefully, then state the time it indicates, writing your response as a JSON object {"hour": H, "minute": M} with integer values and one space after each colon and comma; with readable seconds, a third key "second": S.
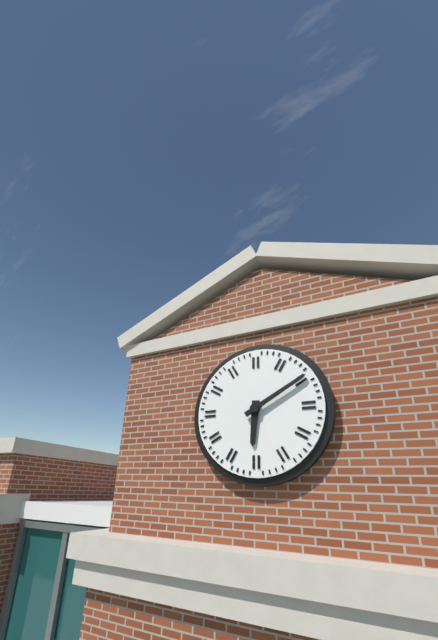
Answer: {"hour": 6, "minute": 10}
